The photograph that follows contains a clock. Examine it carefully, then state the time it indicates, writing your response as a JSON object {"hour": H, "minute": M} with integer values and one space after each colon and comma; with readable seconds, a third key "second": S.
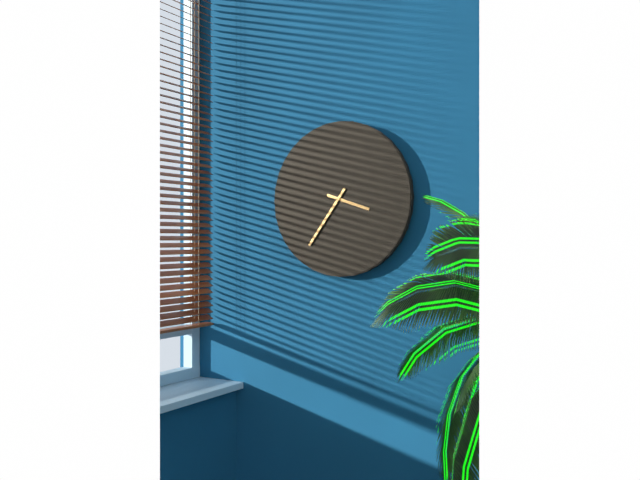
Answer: {"hour": 3, "minute": 36}
